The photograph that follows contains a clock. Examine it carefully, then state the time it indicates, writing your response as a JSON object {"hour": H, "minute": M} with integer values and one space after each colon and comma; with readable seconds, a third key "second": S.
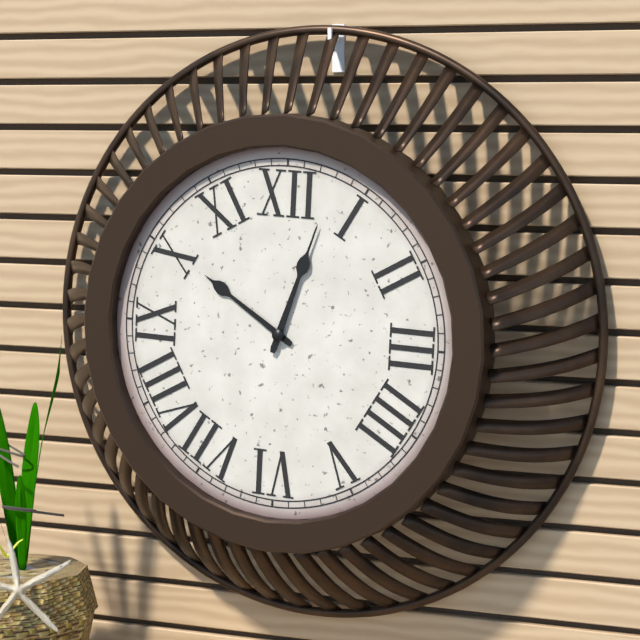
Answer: {"hour": 10, "minute": 3}
